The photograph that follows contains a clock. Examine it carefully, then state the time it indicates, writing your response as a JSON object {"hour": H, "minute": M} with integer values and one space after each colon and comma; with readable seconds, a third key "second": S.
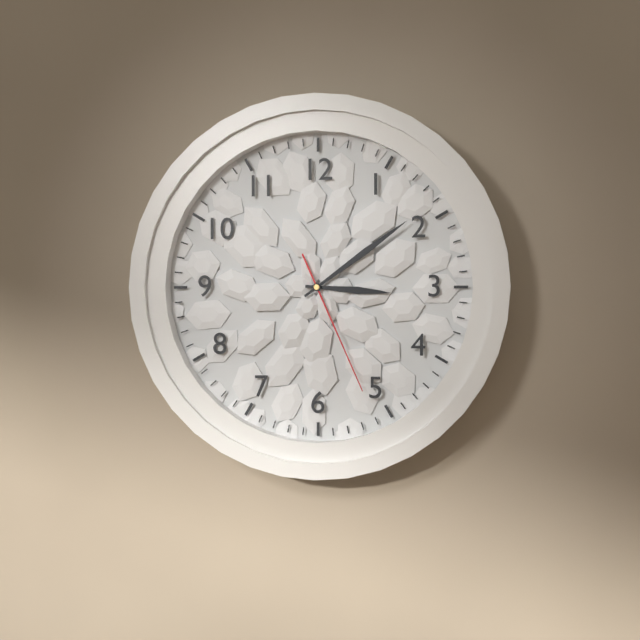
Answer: {"hour": 3, "minute": 9, "second": 26}
